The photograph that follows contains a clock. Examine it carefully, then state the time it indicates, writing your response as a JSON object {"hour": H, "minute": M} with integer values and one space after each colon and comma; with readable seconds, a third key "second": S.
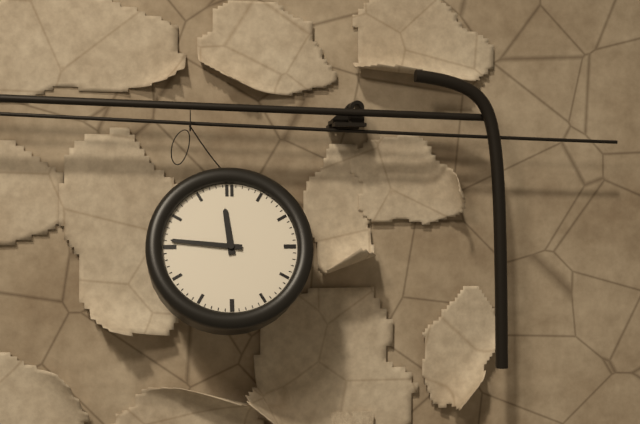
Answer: {"hour": 11, "minute": 46}
